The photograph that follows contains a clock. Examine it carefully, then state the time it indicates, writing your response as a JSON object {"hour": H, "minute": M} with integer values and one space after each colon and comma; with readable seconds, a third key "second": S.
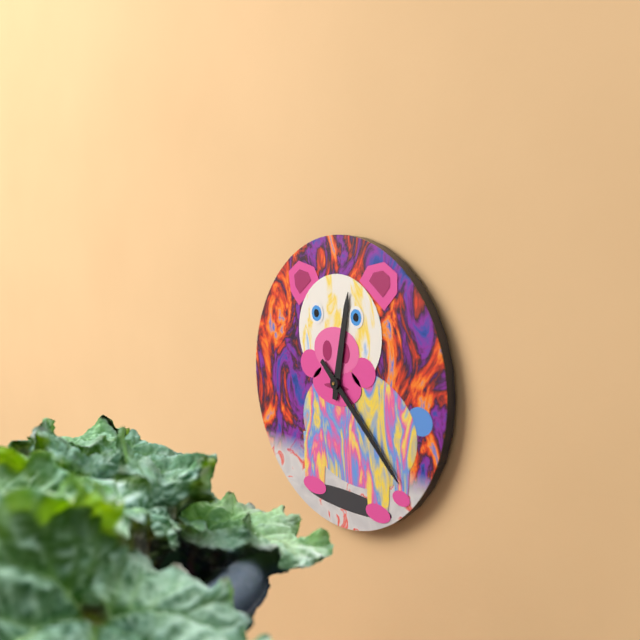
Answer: {"hour": 12, "minute": 22}
